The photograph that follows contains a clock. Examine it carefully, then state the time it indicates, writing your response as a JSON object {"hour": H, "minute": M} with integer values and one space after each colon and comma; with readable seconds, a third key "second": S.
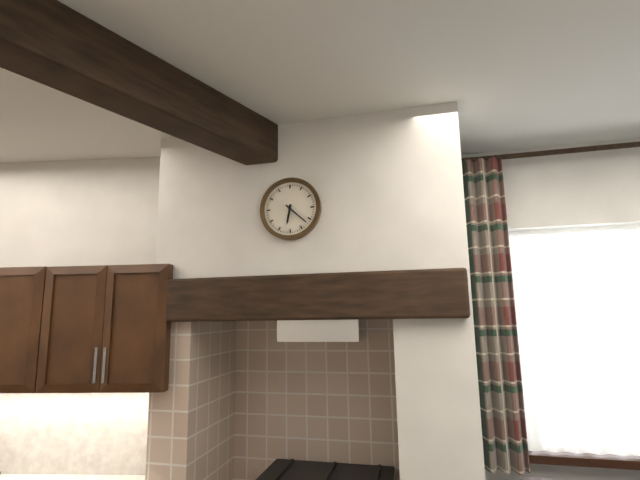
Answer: {"hour": 6, "minute": 22}
